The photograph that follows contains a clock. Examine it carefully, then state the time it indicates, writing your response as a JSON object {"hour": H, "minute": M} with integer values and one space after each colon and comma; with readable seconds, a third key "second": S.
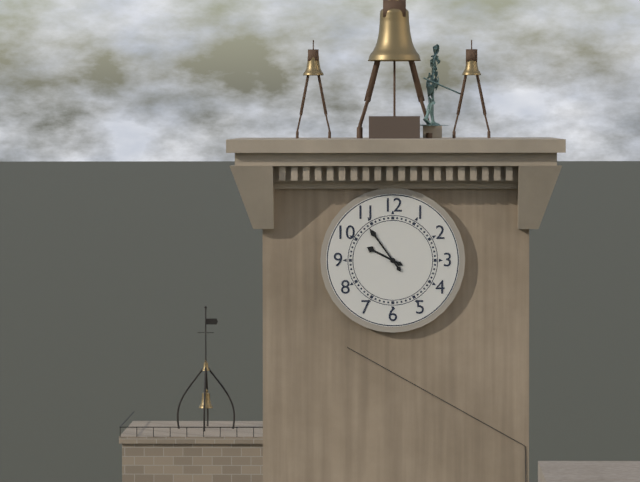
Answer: {"hour": 9, "minute": 54}
